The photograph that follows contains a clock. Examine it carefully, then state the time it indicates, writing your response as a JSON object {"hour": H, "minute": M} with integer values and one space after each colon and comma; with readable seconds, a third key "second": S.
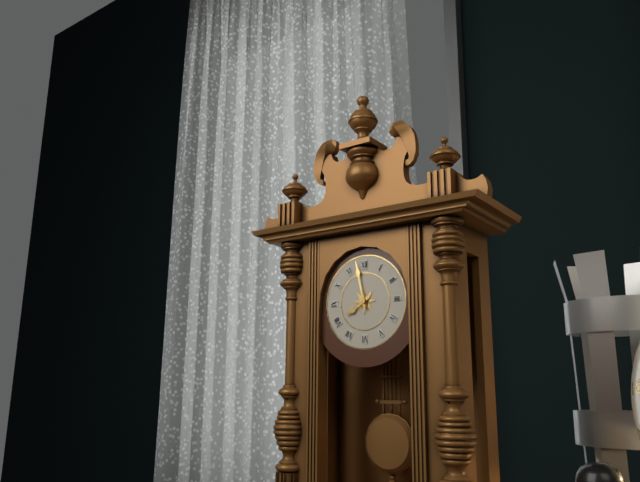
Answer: {"hour": 7, "minute": 58}
